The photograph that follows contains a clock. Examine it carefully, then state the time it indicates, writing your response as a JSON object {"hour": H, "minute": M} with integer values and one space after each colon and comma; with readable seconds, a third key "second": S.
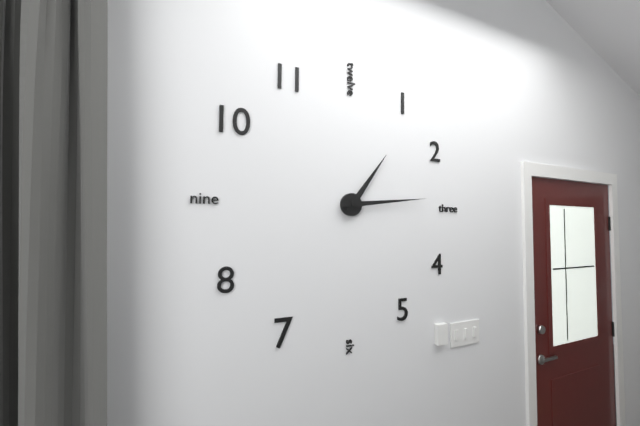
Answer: {"hour": 1, "minute": 14}
